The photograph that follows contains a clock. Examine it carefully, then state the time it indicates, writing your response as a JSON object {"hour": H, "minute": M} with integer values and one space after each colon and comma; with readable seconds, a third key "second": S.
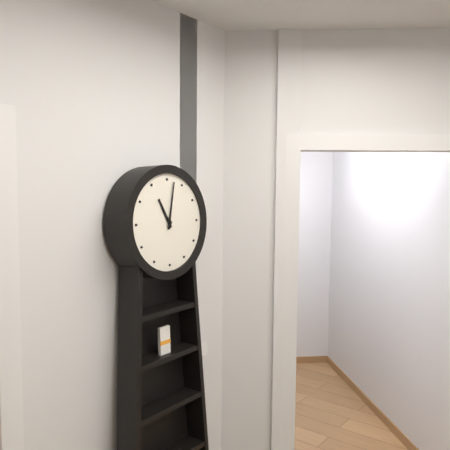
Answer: {"hour": 11, "minute": 2}
